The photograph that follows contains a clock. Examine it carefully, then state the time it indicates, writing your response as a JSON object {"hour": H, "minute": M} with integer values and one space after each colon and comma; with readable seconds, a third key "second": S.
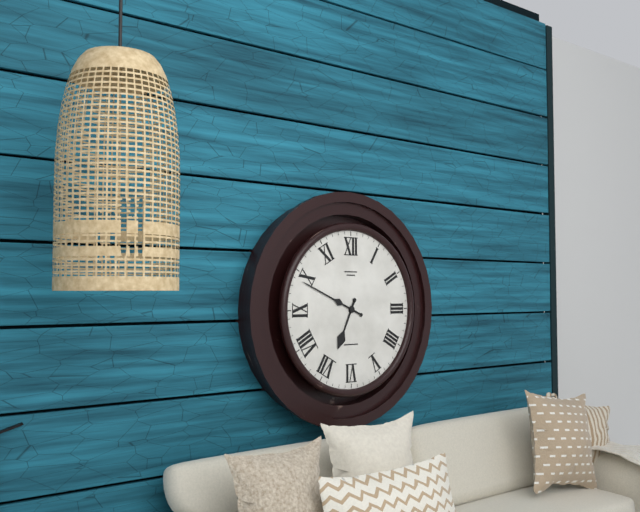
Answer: {"hour": 6, "minute": 49}
